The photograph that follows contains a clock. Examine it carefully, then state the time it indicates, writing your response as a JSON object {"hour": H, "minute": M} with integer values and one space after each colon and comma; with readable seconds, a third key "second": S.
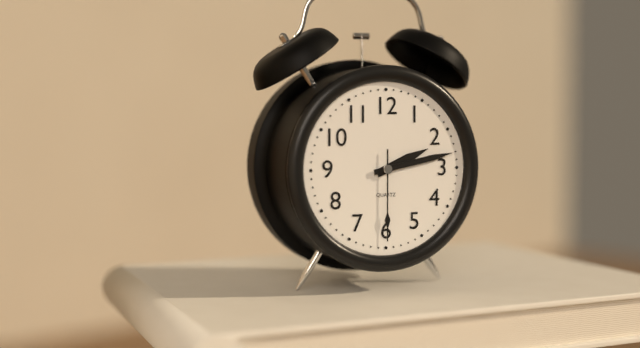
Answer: {"hour": 2, "minute": 13, "second": 30}
